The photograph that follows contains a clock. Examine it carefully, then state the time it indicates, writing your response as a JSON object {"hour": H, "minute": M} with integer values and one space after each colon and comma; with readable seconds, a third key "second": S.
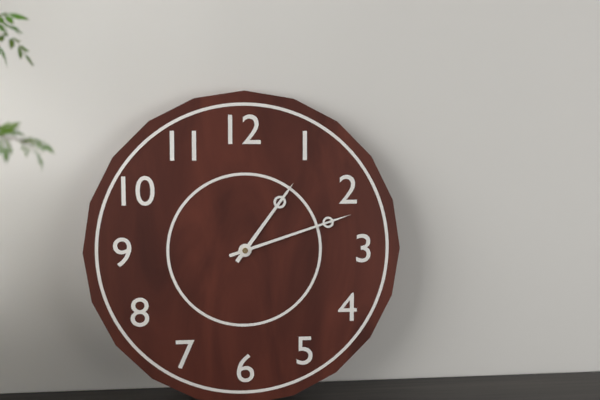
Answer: {"hour": 1, "minute": 12}
